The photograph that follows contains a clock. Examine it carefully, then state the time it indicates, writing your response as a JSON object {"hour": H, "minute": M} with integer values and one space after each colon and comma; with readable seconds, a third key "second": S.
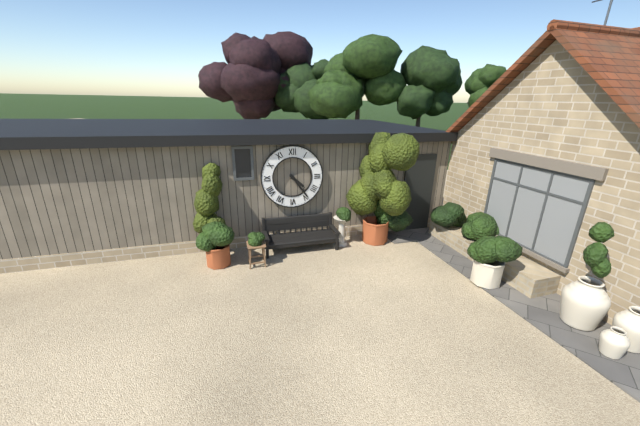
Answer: {"hour": 4, "minute": 24}
